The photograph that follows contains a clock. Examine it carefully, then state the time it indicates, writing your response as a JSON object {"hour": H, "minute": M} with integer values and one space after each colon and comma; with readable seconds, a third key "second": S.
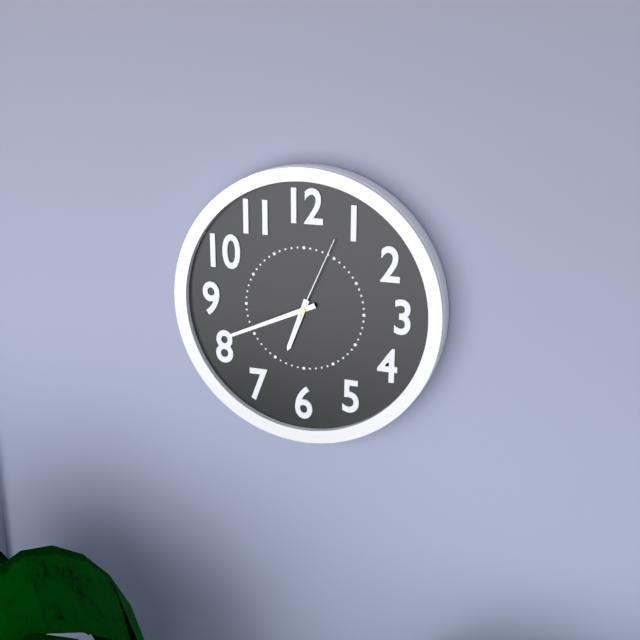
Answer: {"hour": 6, "minute": 41, "second": 4}
